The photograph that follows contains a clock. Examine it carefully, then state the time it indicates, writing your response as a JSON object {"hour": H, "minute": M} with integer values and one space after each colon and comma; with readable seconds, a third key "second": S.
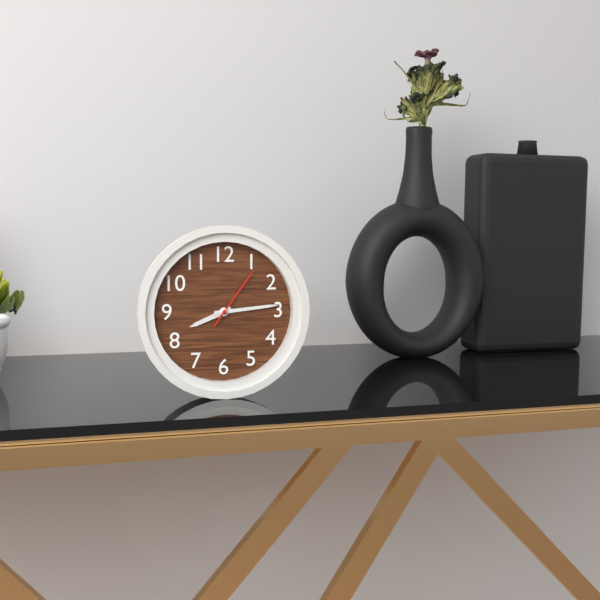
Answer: {"hour": 8, "minute": 14, "second": 6}
